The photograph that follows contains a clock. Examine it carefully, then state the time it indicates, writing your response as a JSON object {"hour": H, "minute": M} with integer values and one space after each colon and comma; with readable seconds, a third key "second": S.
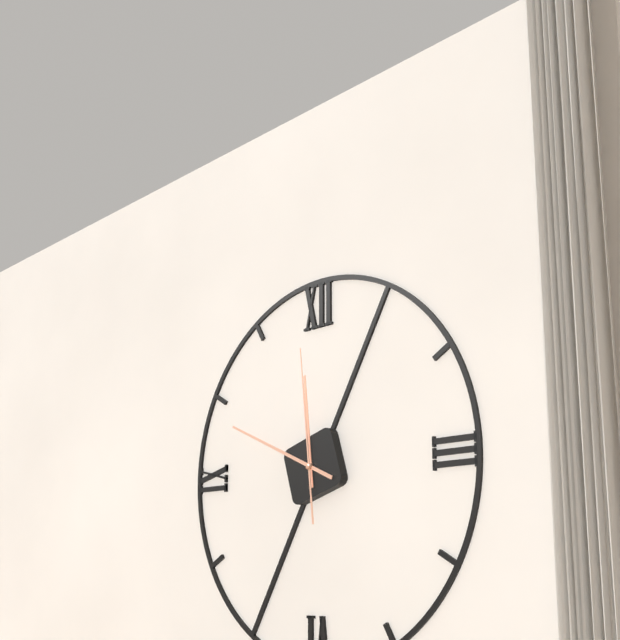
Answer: {"hour": 11, "minute": 49, "second": 59}
